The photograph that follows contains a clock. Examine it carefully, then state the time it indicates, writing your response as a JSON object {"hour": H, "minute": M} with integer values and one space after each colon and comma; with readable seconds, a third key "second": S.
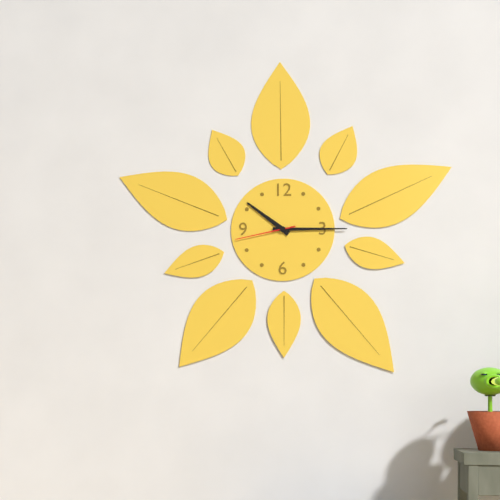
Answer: {"hour": 10, "minute": 15, "second": 43}
